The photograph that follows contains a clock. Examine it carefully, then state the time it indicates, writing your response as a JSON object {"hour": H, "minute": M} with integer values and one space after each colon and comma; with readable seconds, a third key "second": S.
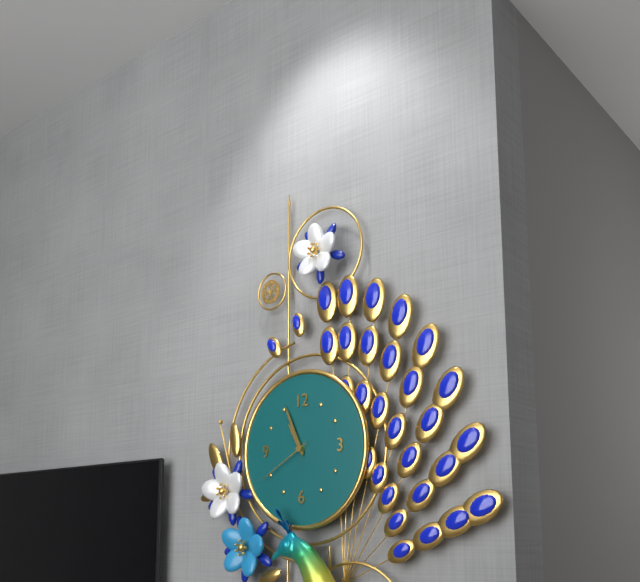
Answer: {"hour": 10, "minute": 56, "second": 40}
